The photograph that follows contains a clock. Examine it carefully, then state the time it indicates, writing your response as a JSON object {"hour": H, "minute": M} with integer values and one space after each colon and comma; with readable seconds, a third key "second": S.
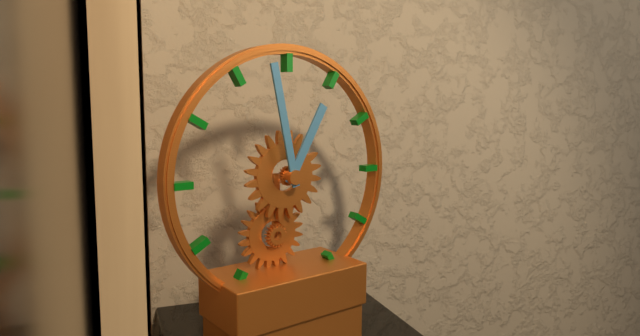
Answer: {"hour": 12, "minute": 58}
